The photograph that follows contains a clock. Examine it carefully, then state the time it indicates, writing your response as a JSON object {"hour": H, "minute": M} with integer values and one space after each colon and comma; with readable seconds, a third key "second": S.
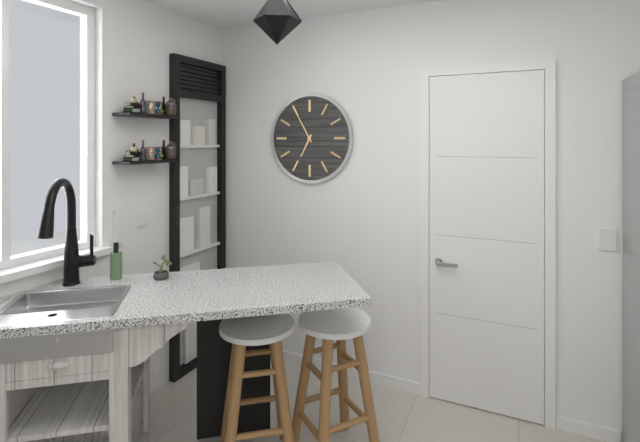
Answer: {"hour": 6, "minute": 55}
